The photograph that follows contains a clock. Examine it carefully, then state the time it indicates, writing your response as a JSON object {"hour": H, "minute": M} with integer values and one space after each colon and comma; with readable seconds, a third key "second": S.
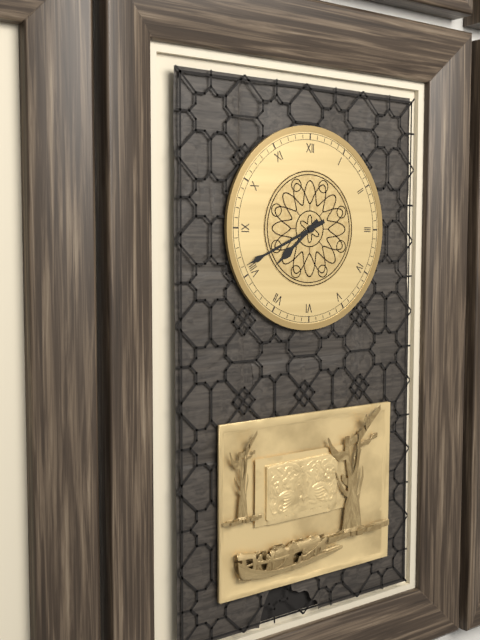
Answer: {"hour": 7, "minute": 41}
